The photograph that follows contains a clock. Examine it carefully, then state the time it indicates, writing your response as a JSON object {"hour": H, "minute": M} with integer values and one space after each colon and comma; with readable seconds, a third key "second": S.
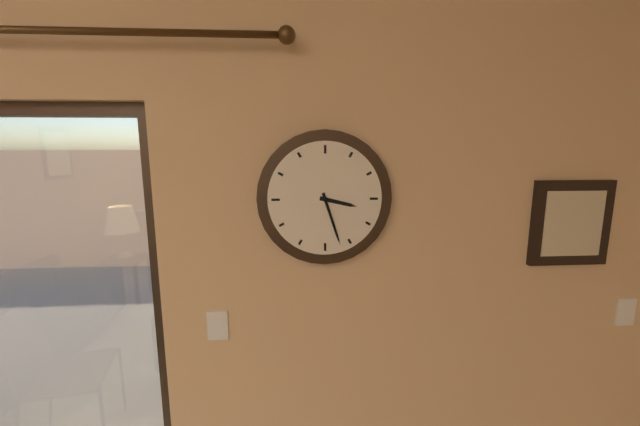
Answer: {"hour": 3, "minute": 27}
